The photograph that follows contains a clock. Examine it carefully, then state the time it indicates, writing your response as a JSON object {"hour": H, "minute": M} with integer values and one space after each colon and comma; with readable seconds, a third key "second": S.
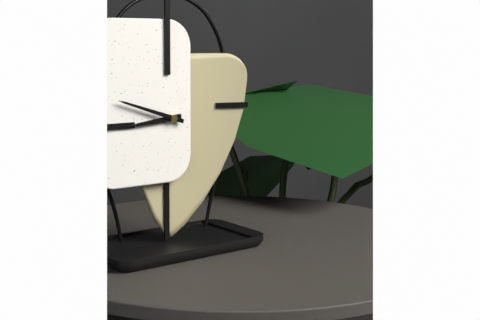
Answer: {"hour": 8, "minute": 48}
